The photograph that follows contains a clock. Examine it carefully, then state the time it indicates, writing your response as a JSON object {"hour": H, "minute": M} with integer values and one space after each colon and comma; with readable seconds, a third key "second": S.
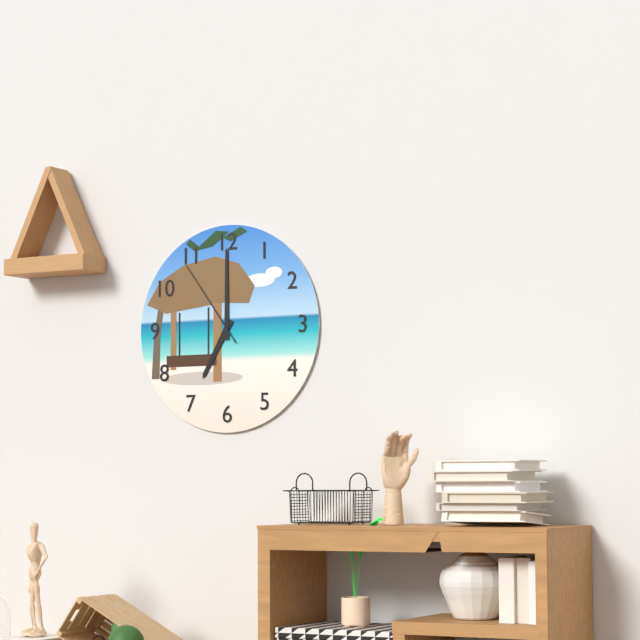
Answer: {"hour": 7, "minute": 0, "second": 54}
